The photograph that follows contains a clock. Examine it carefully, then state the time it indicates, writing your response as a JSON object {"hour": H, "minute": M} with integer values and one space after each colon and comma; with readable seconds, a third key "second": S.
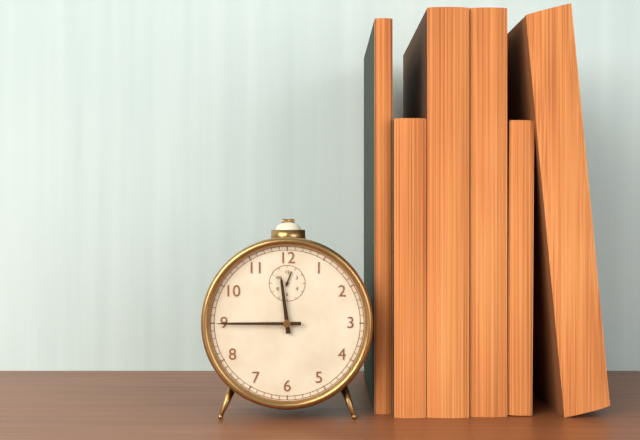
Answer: {"hour": 11, "minute": 45}
